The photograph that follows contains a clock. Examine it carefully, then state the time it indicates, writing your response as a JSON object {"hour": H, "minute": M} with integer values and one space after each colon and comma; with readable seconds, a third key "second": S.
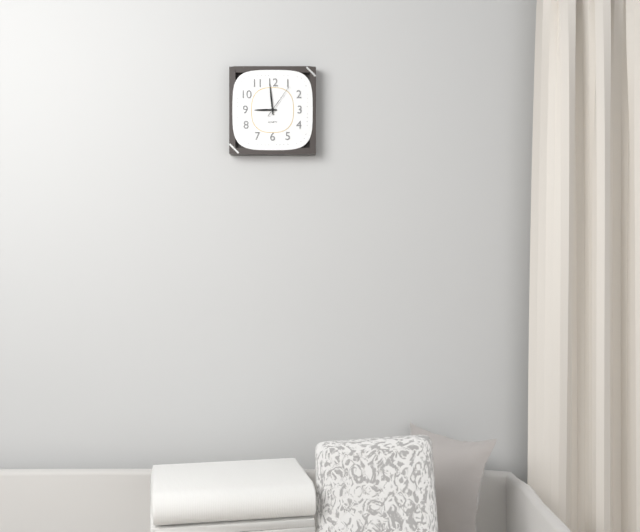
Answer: {"hour": 8, "minute": 59}
